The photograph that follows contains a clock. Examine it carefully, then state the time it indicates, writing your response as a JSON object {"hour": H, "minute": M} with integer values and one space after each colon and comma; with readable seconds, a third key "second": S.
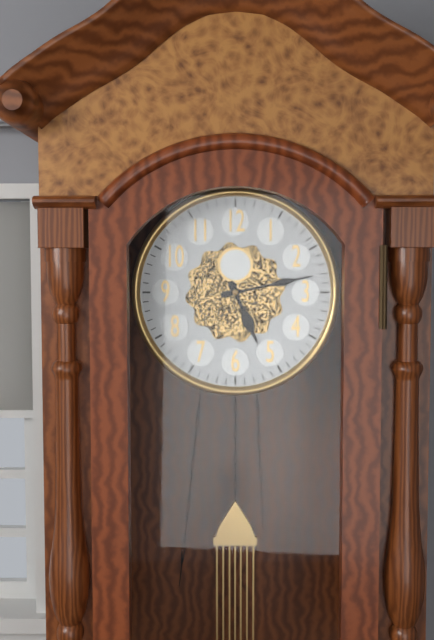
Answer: {"hour": 5, "minute": 13}
